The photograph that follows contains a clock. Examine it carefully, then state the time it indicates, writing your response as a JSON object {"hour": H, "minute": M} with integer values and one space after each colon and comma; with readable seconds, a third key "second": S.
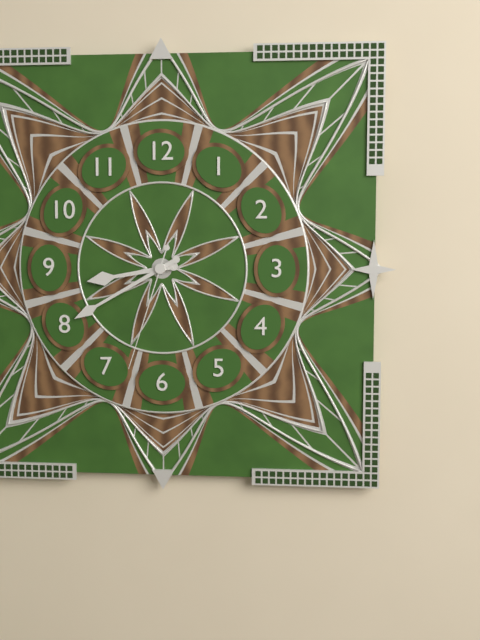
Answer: {"hour": 8, "minute": 40, "second": 33}
